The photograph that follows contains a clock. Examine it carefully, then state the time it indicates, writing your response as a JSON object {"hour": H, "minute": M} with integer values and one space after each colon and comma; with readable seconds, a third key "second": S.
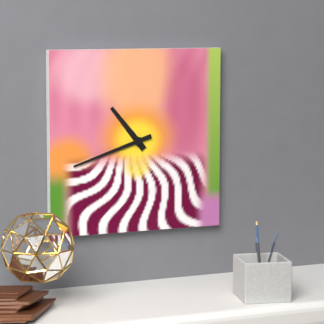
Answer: {"hour": 10, "minute": 42}
